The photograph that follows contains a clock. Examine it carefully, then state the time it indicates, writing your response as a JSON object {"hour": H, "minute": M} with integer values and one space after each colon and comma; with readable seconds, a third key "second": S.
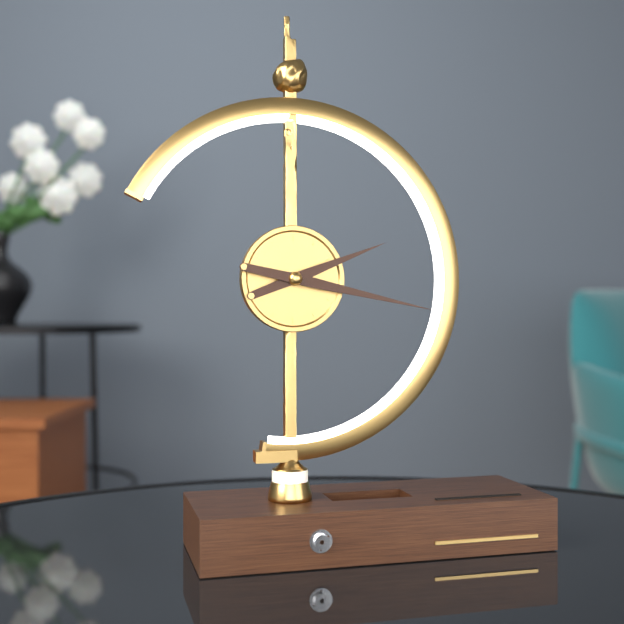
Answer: {"hour": 2, "minute": 17}
